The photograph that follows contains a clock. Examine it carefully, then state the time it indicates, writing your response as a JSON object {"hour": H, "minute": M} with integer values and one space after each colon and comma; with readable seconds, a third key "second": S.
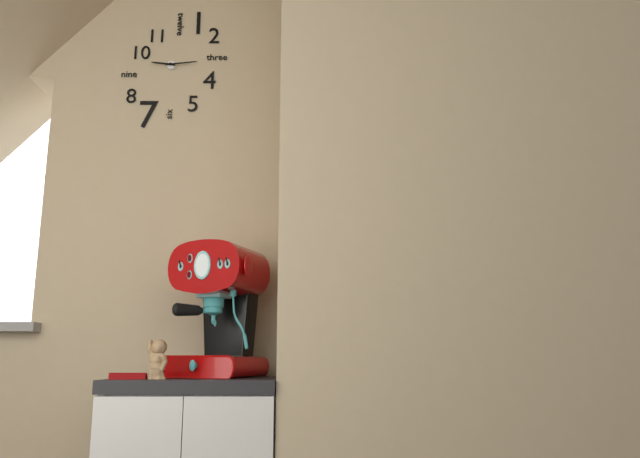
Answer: {"hour": 9, "minute": 14}
